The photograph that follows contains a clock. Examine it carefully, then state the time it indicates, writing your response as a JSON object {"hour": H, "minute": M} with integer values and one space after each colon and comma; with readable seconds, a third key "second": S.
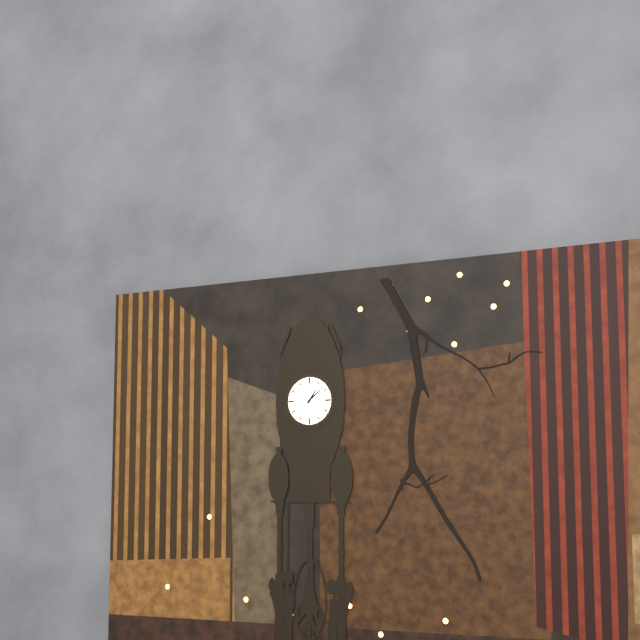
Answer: {"hour": 1, "minute": 8}
